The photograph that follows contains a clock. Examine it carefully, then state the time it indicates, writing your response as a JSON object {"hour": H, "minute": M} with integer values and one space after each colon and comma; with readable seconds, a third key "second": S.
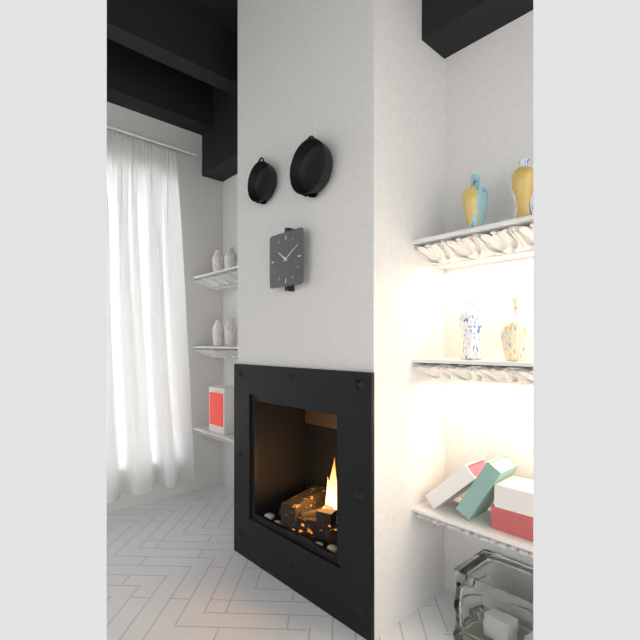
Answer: {"hour": 10, "minute": 10}
